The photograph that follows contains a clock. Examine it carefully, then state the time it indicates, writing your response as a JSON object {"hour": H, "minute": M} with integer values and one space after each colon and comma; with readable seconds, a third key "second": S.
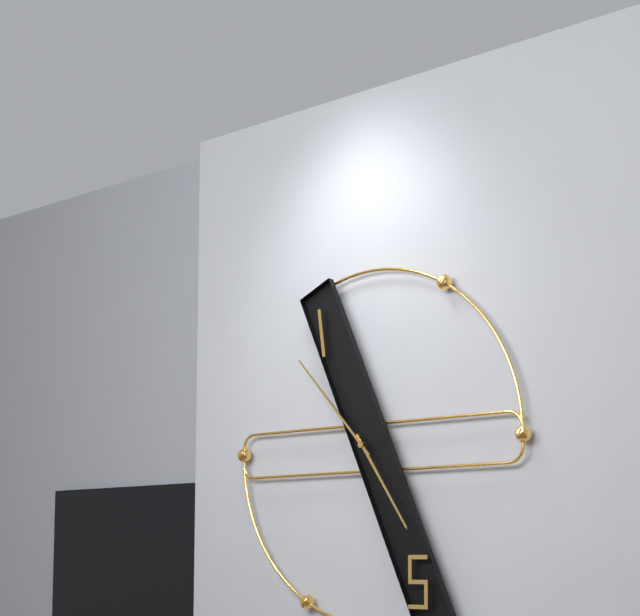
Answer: {"hour": 4, "minute": 53}
